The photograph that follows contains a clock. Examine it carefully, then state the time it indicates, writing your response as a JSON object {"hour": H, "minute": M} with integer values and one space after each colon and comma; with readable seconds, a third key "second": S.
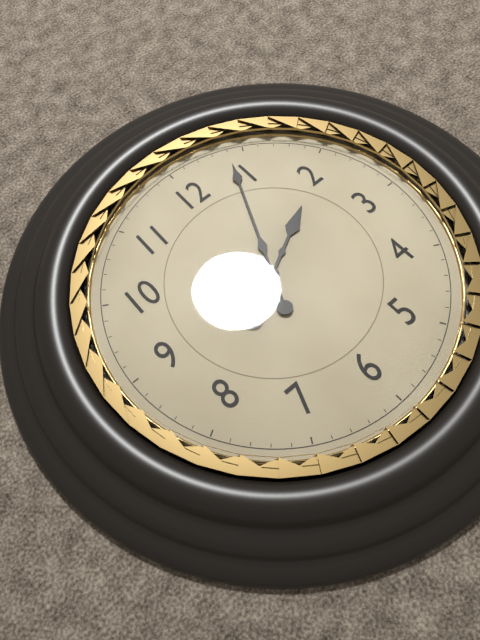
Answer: {"hour": 2, "minute": 4}
